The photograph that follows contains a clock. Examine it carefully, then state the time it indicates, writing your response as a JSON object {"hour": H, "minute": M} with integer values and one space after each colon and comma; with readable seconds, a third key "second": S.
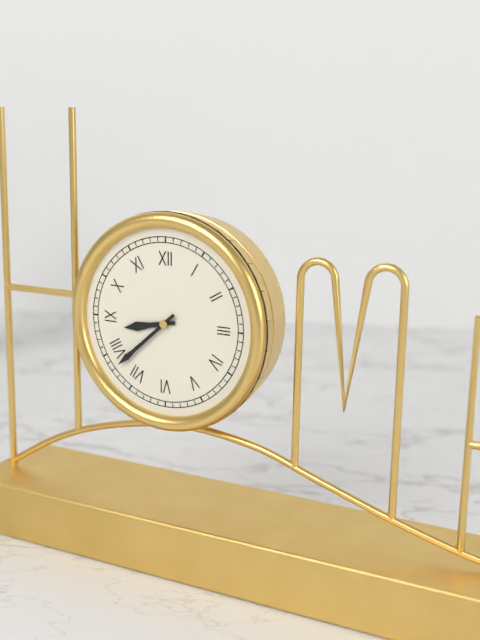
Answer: {"hour": 8, "minute": 38}
